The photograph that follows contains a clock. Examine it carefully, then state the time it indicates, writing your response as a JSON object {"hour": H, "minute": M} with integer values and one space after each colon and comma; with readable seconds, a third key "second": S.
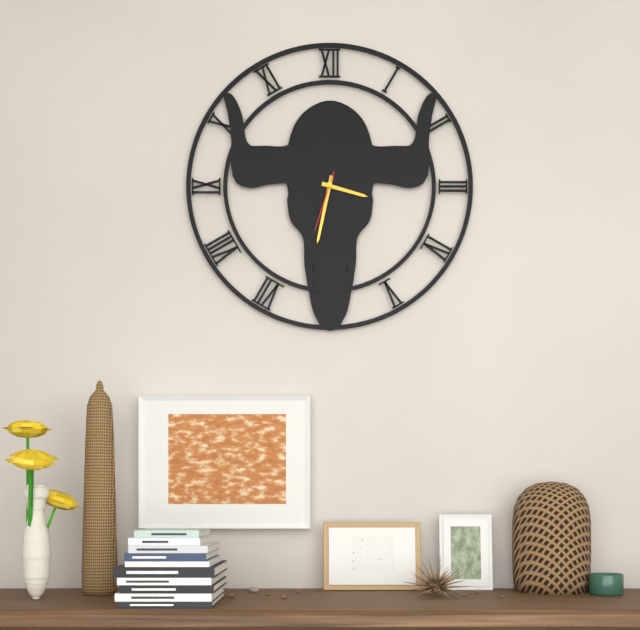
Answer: {"hour": 3, "minute": 32, "second": 33}
